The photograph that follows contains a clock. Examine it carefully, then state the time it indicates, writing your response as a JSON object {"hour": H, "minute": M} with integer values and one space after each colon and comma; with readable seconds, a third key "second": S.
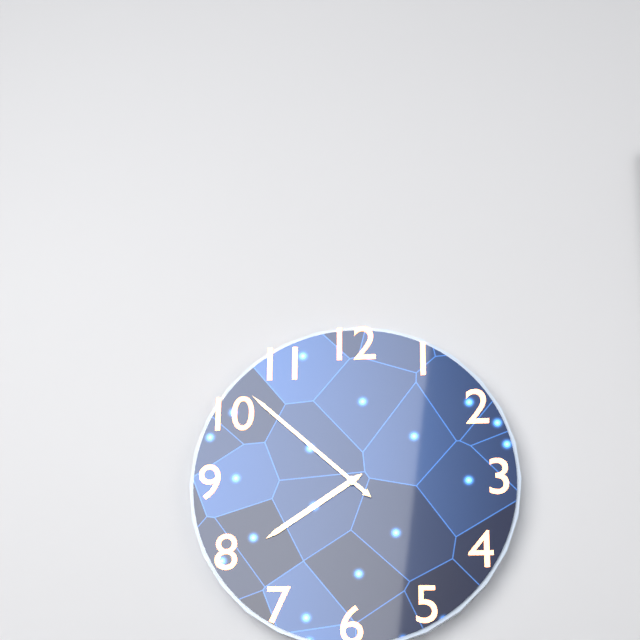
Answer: {"hour": 7, "minute": 52}
